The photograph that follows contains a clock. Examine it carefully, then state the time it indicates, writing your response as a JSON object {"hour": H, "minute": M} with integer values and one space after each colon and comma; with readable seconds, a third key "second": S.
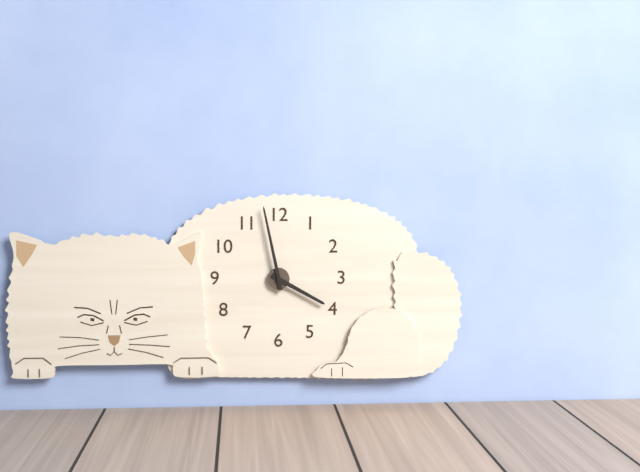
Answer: {"hour": 3, "minute": 58}
